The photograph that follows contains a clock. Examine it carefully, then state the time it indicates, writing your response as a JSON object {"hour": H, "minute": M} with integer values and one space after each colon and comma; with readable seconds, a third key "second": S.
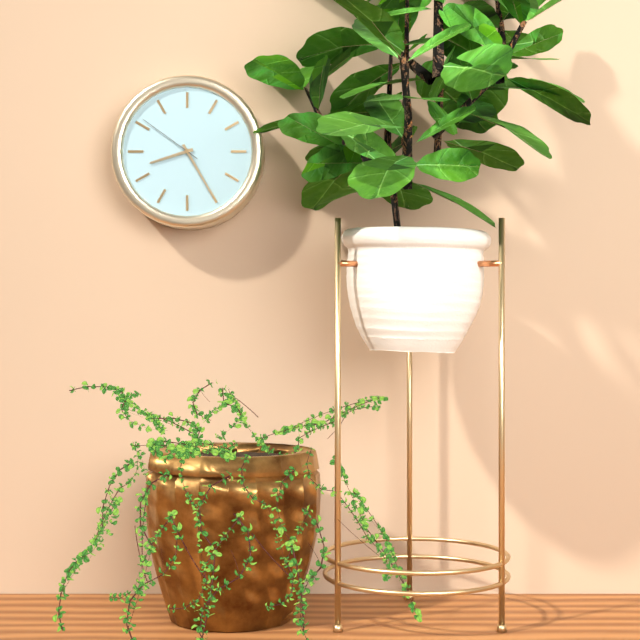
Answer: {"hour": 8, "minute": 25, "second": 51}
